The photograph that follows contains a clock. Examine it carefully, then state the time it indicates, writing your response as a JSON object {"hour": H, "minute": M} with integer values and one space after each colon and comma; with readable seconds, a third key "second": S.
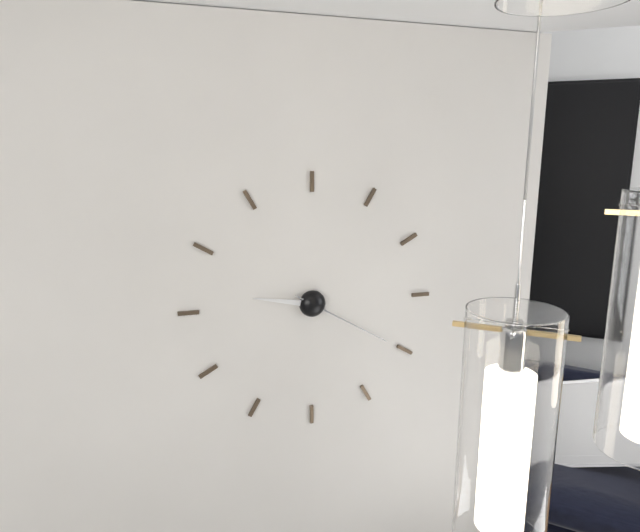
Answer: {"hour": 9, "minute": 20}
